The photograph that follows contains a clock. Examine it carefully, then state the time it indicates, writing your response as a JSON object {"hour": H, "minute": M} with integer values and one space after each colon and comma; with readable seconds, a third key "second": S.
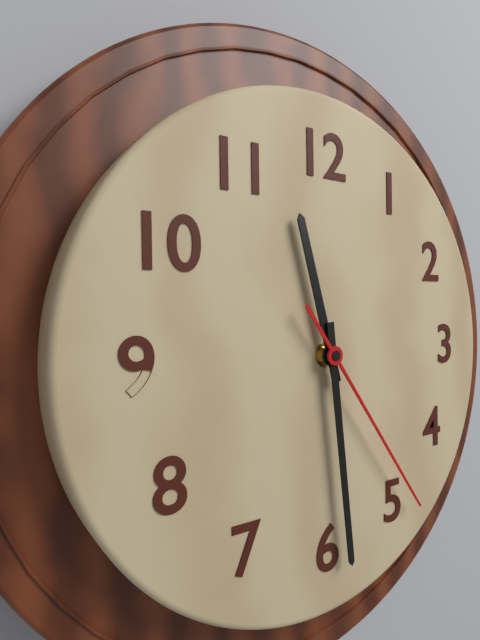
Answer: {"hour": 11, "minute": 29, "second": 24}
